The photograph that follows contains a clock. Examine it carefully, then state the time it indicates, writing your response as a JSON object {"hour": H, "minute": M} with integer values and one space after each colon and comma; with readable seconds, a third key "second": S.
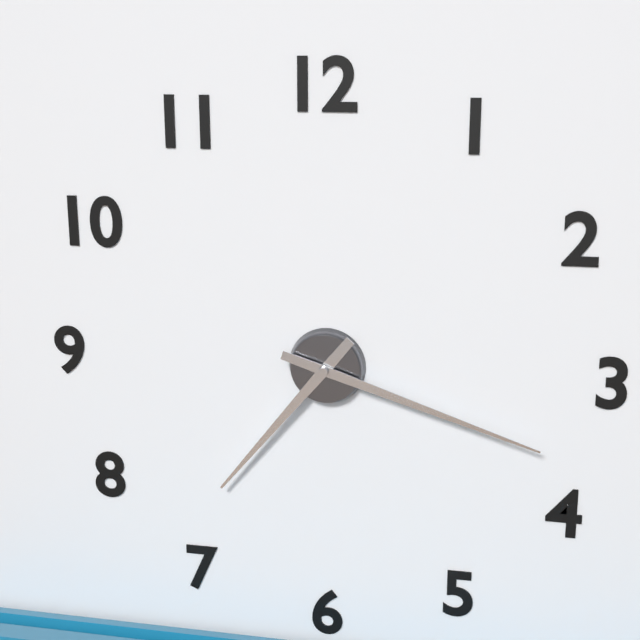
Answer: {"hour": 7, "minute": 18}
